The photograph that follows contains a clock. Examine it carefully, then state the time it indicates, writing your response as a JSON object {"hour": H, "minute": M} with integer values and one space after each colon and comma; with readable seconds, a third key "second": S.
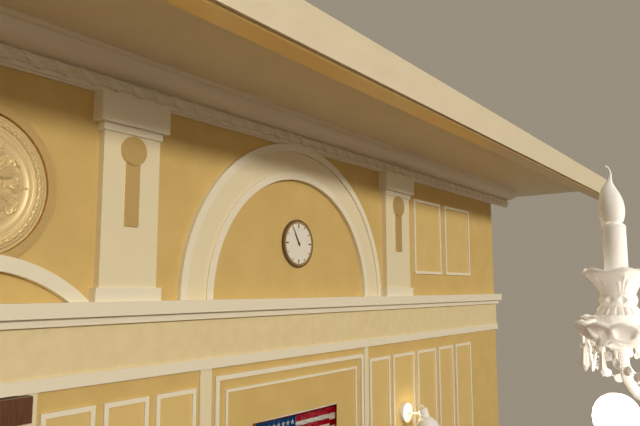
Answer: {"hour": 10, "minute": 55}
